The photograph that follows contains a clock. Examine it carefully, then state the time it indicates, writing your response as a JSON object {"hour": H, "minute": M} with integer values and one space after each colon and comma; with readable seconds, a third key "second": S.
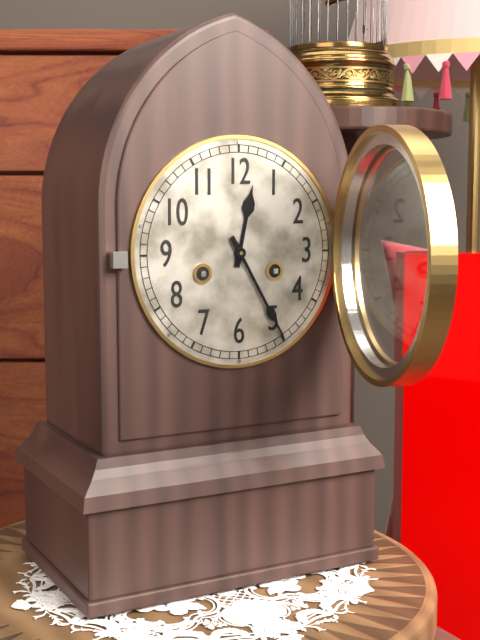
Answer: {"hour": 12, "minute": 25}
